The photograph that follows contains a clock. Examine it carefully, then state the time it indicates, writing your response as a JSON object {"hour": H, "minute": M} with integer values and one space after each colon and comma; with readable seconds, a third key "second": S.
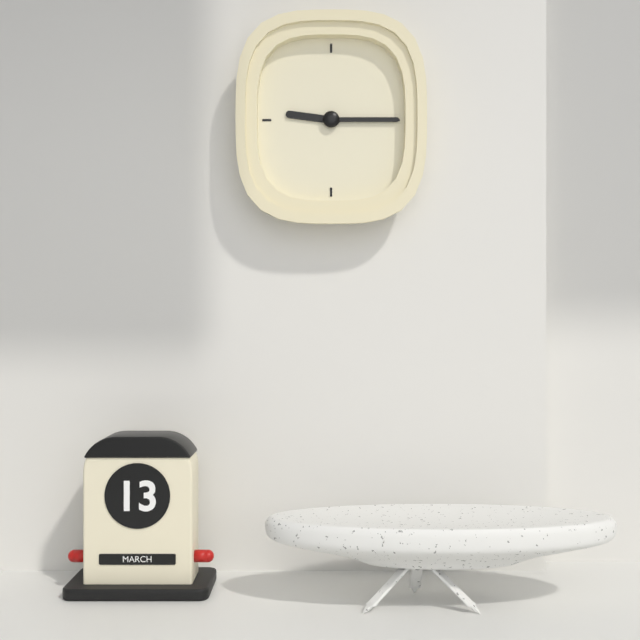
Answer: {"hour": 9, "minute": 15}
